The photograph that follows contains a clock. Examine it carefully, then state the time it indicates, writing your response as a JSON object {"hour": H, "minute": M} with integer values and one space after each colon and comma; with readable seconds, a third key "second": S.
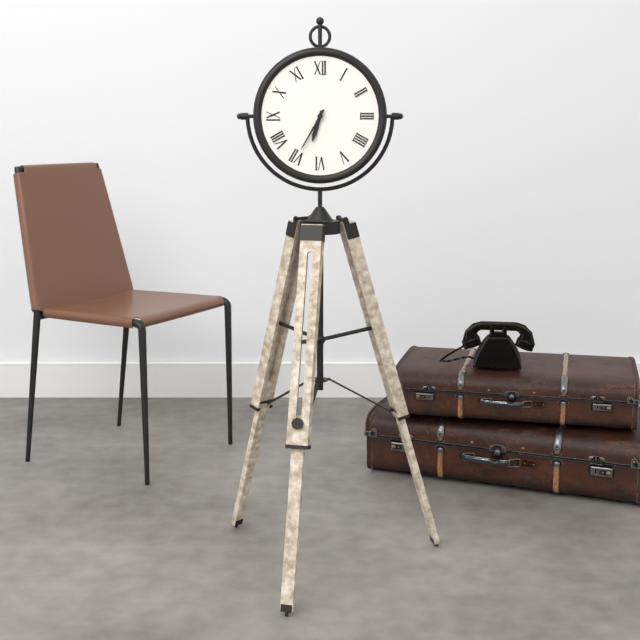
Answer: {"hour": 6, "minute": 35}
